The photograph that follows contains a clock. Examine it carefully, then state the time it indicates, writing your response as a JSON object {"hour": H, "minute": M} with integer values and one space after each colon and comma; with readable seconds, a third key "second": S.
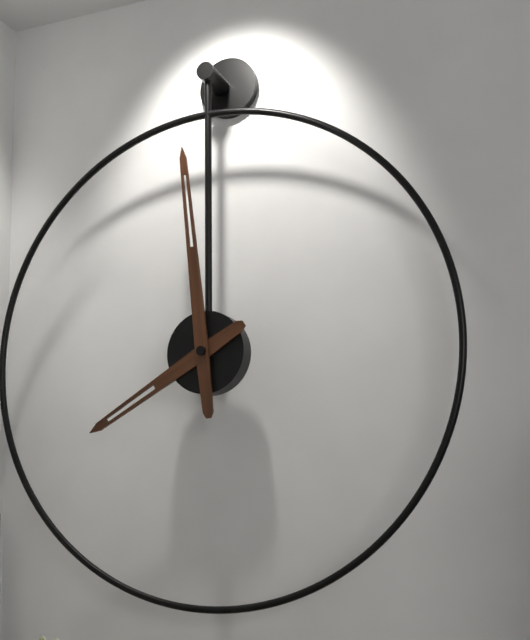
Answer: {"hour": 7, "minute": 59}
